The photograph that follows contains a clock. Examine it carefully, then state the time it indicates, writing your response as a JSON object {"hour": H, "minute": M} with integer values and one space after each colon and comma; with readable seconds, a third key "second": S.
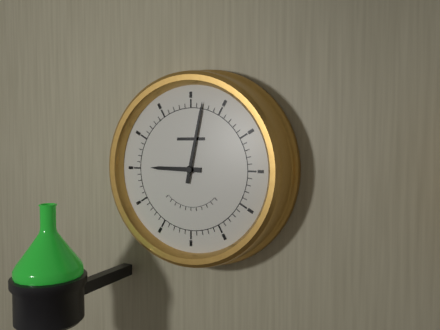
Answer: {"hour": 9, "minute": 2}
